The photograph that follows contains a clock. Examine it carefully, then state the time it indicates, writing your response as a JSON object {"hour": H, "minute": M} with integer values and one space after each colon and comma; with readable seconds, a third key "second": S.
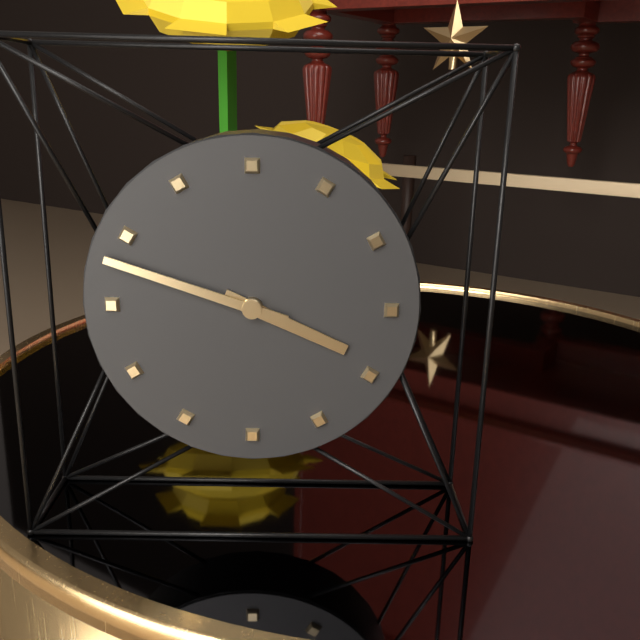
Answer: {"hour": 3, "minute": 48}
